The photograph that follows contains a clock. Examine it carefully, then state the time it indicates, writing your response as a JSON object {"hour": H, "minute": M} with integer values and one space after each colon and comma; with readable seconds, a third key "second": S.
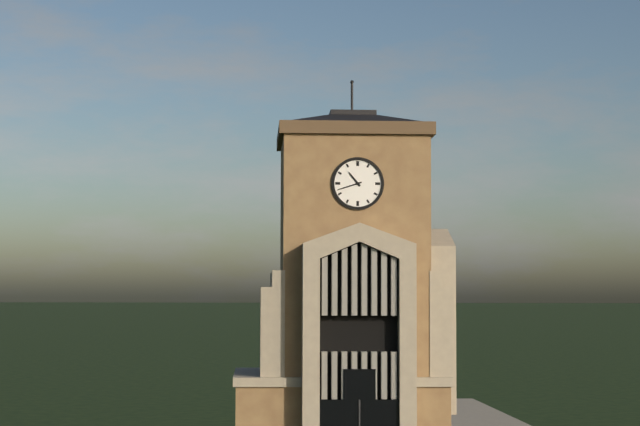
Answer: {"hour": 10, "minute": 42}
